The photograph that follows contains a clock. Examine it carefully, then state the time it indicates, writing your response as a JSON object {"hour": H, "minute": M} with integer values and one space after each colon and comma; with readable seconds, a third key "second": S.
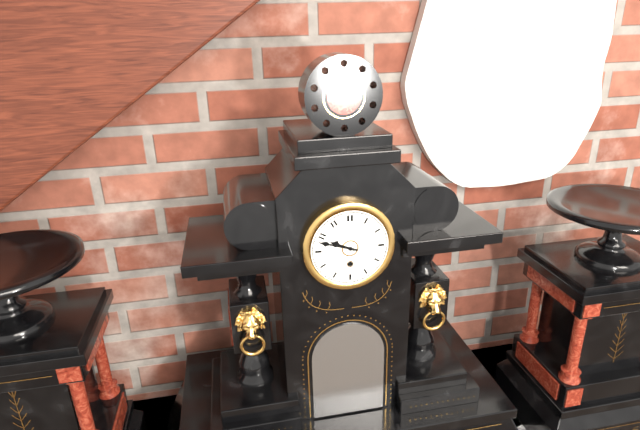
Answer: {"hour": 9, "minute": 48}
